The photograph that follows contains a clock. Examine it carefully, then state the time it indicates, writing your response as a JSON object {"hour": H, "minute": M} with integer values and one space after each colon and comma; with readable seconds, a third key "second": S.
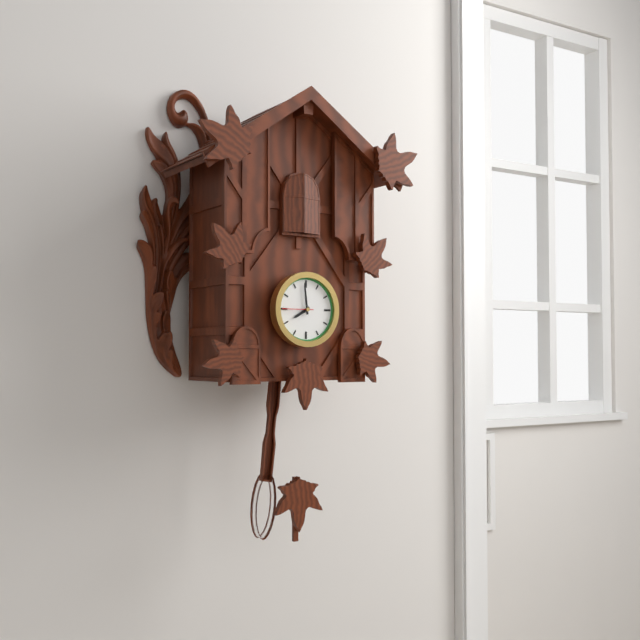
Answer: {"hour": 7, "minute": 59}
